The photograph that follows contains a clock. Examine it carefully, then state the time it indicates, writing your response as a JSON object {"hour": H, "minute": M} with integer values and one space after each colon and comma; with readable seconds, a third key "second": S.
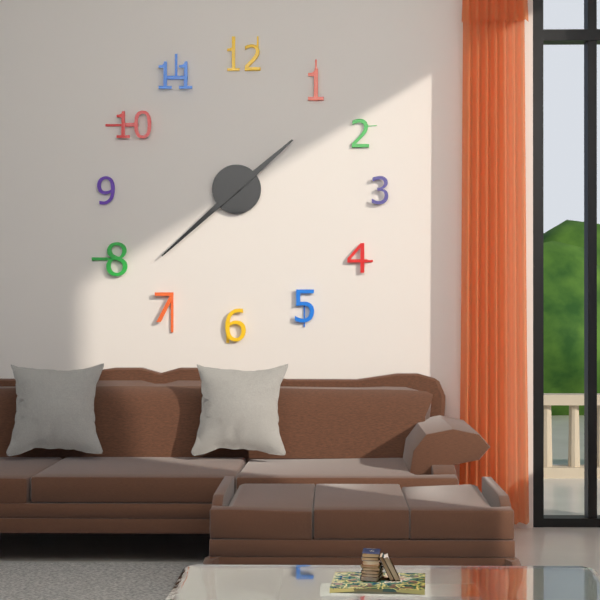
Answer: {"hour": 1, "minute": 38}
